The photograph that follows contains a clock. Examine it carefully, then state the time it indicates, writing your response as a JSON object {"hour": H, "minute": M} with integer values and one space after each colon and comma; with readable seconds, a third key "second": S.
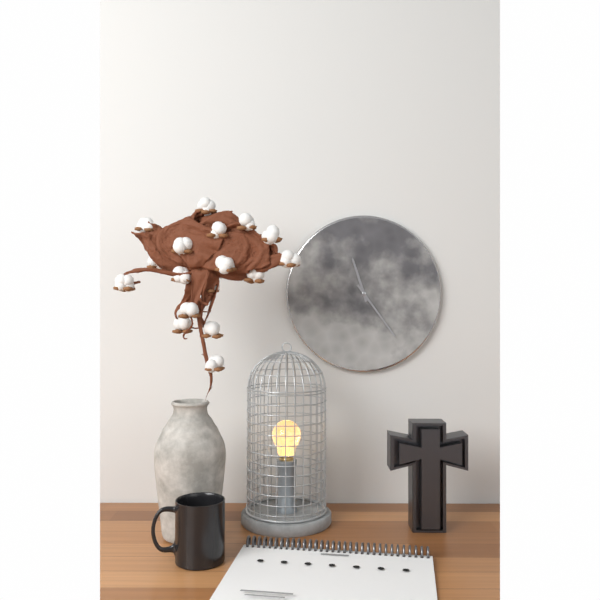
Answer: {"hour": 11, "minute": 24}
